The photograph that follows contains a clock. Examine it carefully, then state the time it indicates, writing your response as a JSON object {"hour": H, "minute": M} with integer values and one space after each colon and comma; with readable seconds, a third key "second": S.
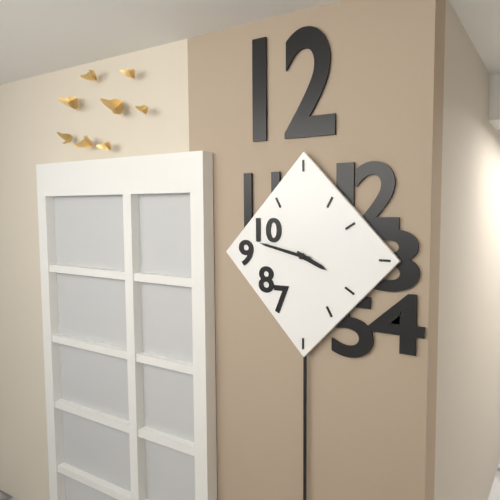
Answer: {"hour": 3, "minute": 47}
